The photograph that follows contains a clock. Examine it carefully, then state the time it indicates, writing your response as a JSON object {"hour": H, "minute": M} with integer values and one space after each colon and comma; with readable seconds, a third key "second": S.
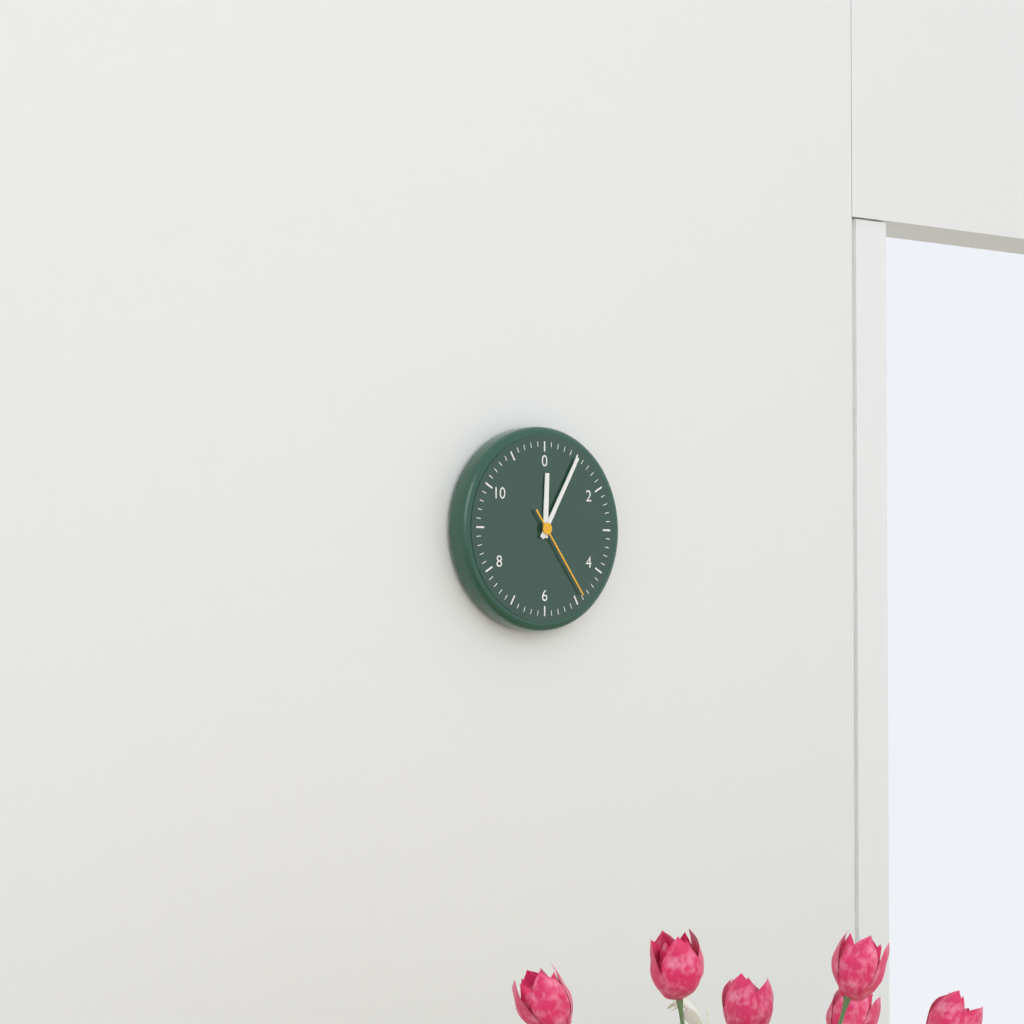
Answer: {"hour": 12, "minute": 5, "second": 24}
